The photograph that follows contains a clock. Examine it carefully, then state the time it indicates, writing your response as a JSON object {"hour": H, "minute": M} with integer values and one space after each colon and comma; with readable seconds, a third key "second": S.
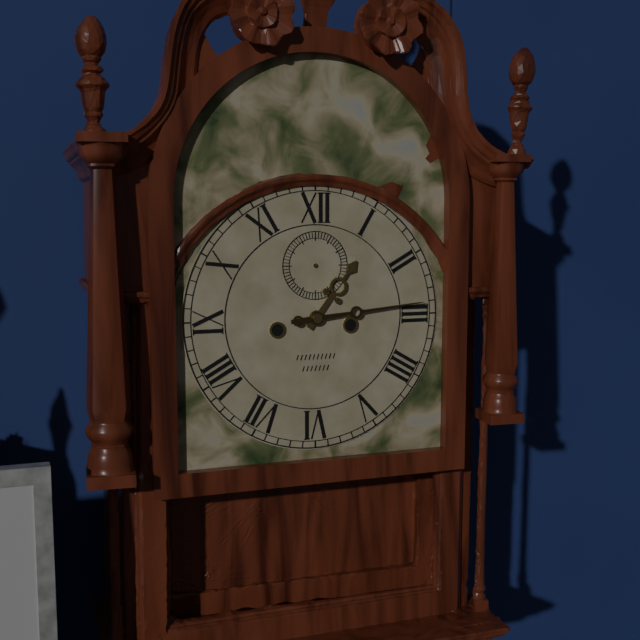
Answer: {"hour": 1, "minute": 14}
